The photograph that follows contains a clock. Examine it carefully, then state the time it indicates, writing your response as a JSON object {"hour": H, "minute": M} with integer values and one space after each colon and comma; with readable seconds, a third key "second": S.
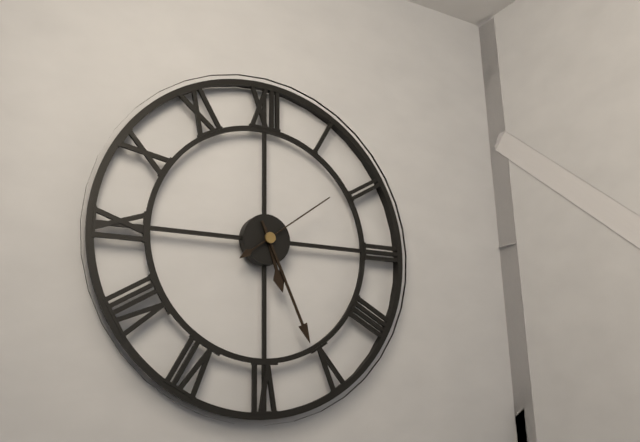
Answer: {"hour": 5, "minute": 26, "second": 9}
